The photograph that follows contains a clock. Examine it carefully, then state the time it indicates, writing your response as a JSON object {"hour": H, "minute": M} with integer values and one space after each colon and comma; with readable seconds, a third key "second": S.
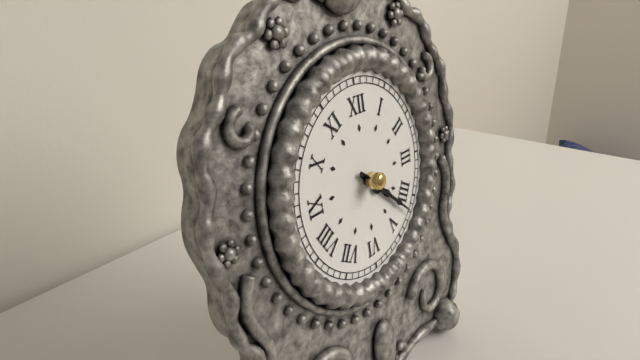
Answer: {"hour": 4, "minute": 22}
